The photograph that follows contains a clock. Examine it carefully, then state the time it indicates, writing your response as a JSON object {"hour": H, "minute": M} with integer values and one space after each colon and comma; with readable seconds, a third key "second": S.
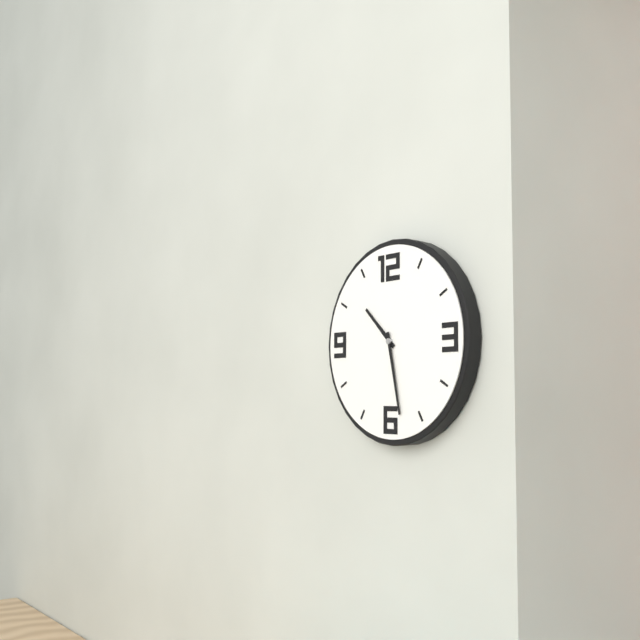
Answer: {"hour": 10, "minute": 28}
